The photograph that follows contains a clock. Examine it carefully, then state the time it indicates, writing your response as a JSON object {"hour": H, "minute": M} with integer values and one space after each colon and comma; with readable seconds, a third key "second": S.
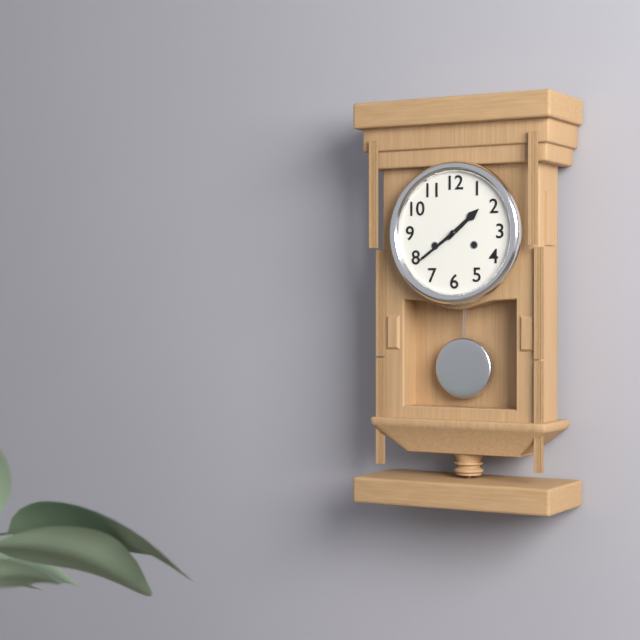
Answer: {"hour": 1, "minute": 39}
